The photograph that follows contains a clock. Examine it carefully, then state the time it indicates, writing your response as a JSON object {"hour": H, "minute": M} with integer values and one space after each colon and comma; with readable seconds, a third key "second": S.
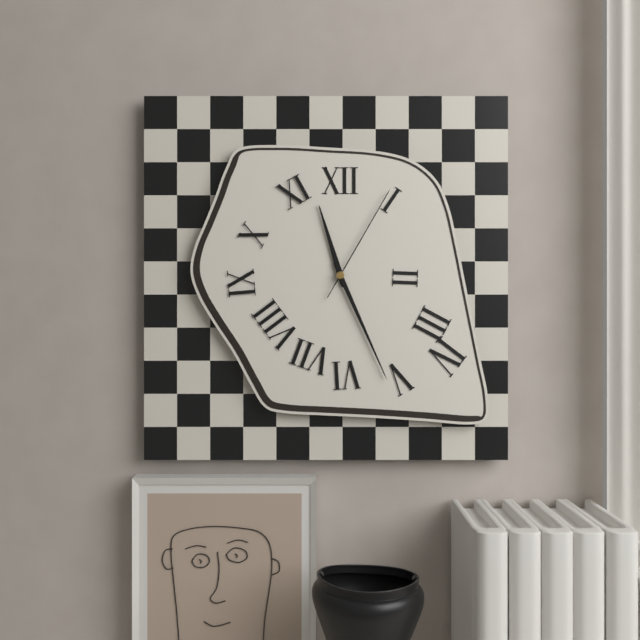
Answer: {"hour": 11, "minute": 26, "second": 5}
